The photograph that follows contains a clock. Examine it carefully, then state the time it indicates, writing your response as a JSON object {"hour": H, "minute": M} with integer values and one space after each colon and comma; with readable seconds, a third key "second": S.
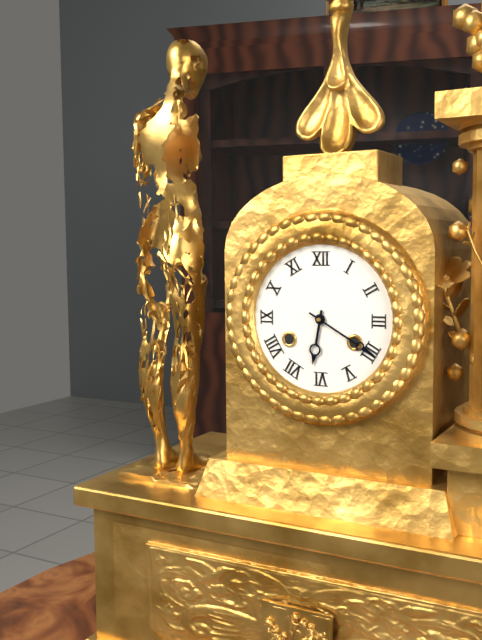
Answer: {"hour": 6, "minute": 20}
